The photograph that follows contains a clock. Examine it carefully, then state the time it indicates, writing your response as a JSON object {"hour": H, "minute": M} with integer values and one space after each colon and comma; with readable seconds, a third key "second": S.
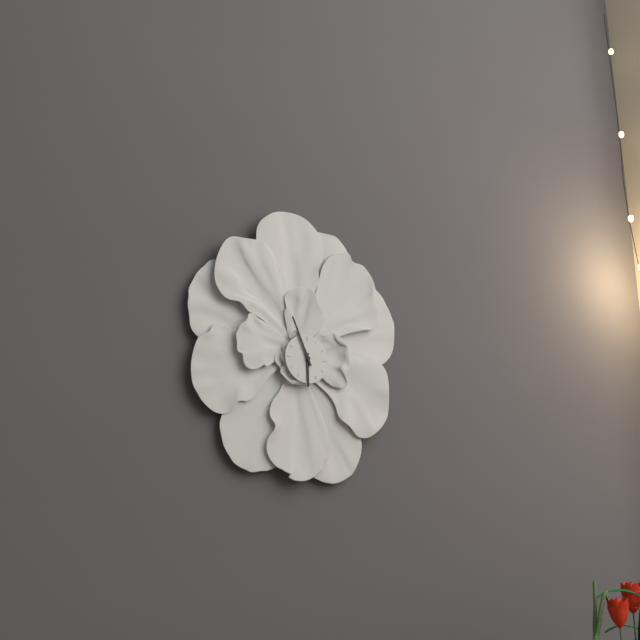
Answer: {"hour": 5, "minute": 56}
